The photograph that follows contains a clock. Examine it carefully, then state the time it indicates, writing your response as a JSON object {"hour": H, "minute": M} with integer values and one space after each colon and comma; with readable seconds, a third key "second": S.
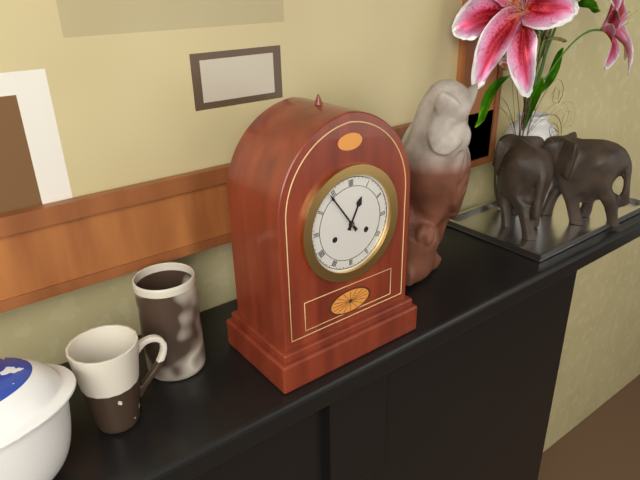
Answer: {"hour": 12, "minute": 54}
